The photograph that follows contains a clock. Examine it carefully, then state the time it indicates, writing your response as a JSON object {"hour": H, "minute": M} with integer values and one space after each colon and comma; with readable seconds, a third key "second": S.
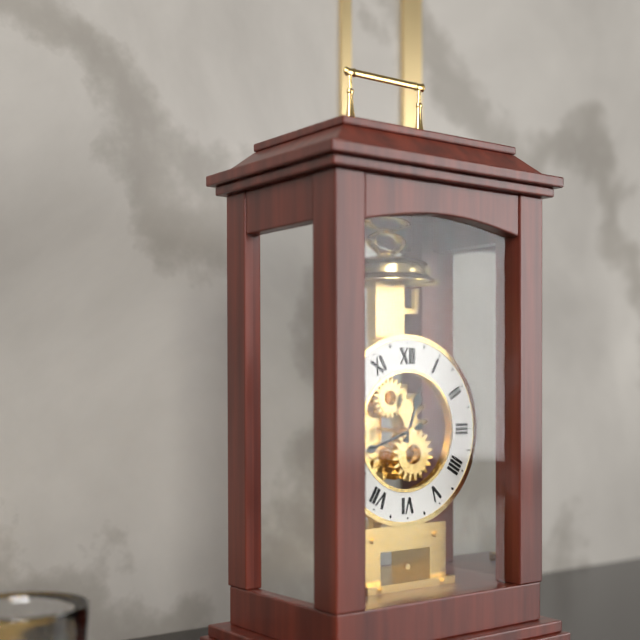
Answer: {"hour": 12, "minute": 42}
